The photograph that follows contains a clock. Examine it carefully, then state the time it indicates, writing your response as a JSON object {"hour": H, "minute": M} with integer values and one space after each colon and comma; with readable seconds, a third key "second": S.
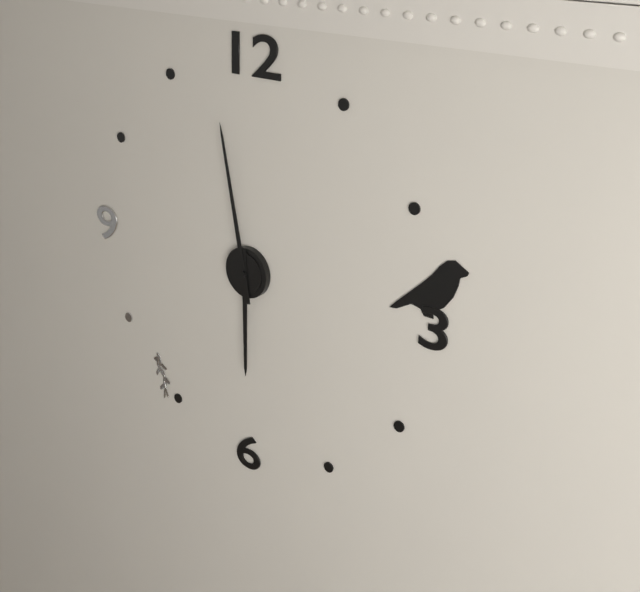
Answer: {"hour": 5, "minute": 58}
